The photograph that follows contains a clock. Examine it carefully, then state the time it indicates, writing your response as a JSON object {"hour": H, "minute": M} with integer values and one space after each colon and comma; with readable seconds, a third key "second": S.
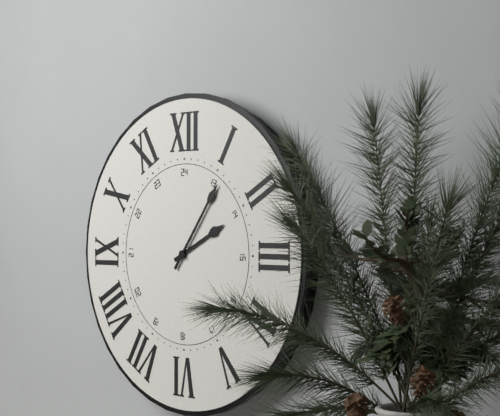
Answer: {"hour": 2, "minute": 6}
